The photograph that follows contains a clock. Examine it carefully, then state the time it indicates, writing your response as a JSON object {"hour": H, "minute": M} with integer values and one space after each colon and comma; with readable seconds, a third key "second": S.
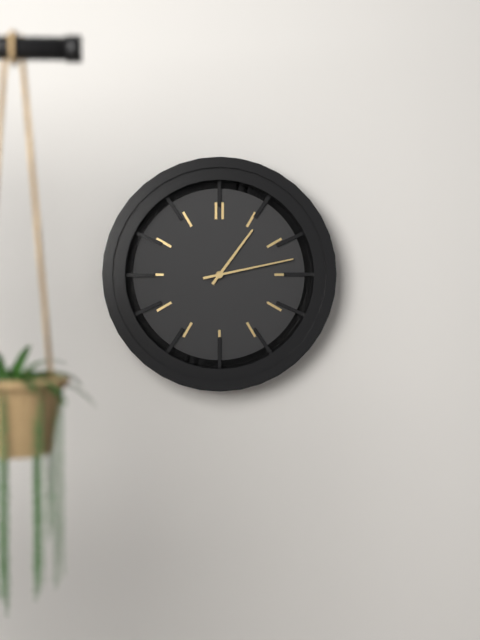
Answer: {"hour": 1, "minute": 13}
